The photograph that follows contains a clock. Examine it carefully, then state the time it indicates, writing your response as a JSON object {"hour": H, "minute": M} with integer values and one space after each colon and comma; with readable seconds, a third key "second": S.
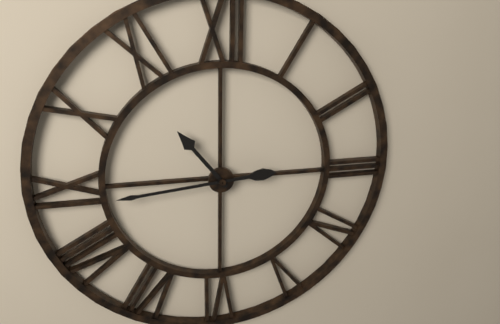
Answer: {"hour": 10, "minute": 44}
